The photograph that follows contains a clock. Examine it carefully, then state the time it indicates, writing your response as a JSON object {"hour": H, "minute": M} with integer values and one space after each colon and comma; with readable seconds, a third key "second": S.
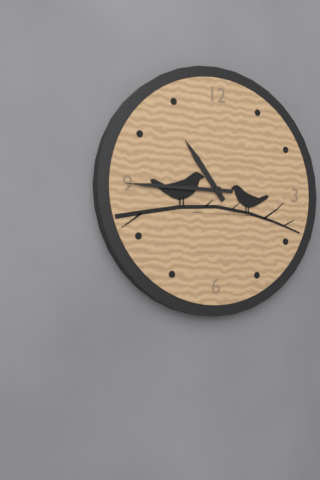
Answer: {"hour": 10, "minute": 45}
